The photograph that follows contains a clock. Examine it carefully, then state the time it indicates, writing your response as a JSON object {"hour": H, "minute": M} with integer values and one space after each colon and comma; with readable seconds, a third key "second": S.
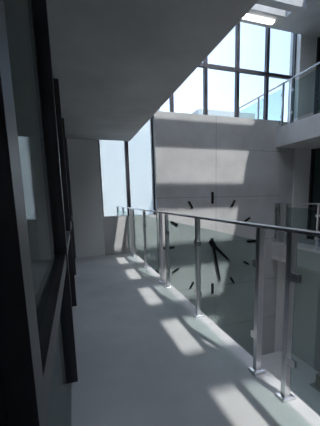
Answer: {"hour": 4, "minute": 28}
